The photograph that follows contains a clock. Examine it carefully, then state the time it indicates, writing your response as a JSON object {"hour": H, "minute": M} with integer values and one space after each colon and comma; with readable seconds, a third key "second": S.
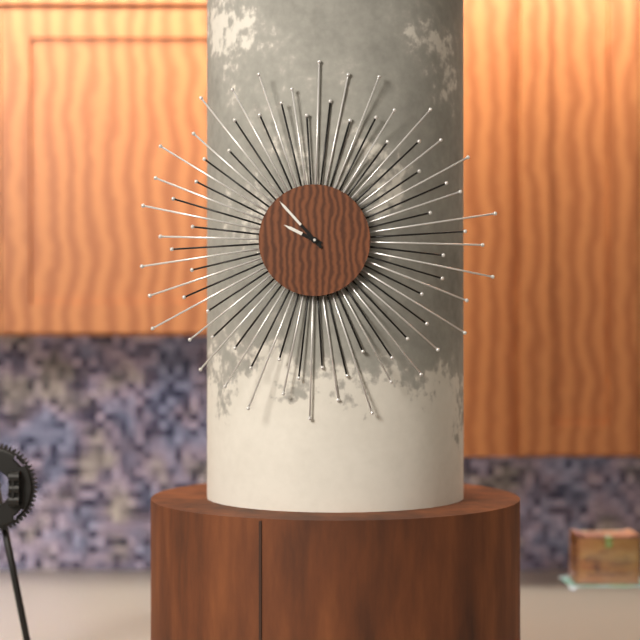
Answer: {"hour": 9, "minute": 53}
